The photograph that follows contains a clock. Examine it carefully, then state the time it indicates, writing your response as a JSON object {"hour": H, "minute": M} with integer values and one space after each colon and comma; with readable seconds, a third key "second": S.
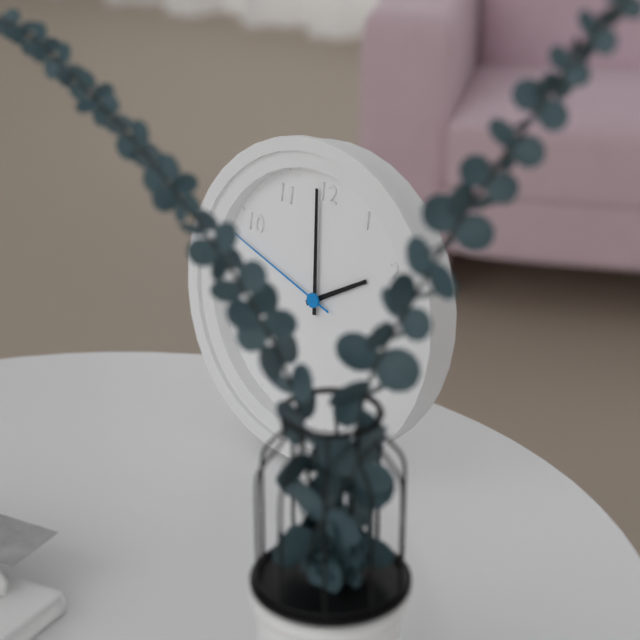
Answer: {"hour": 1, "minute": 59, "second": 48}
